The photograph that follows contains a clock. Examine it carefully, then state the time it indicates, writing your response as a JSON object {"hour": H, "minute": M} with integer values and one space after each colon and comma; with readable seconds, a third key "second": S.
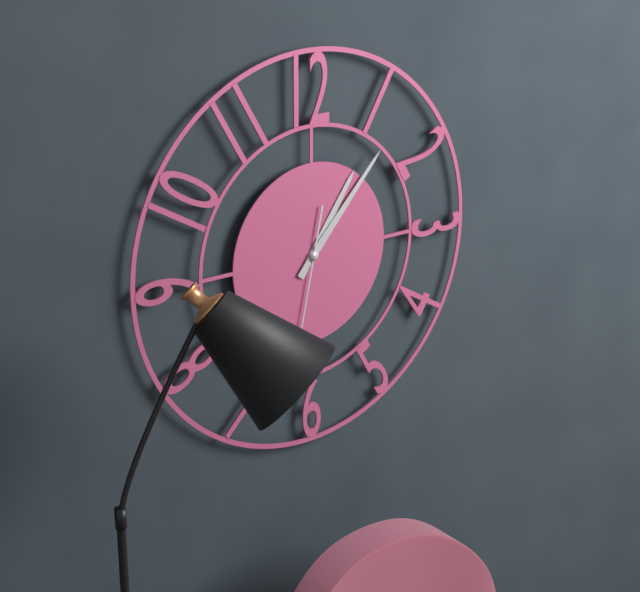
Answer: {"hour": 1, "minute": 7, "second": 32}
